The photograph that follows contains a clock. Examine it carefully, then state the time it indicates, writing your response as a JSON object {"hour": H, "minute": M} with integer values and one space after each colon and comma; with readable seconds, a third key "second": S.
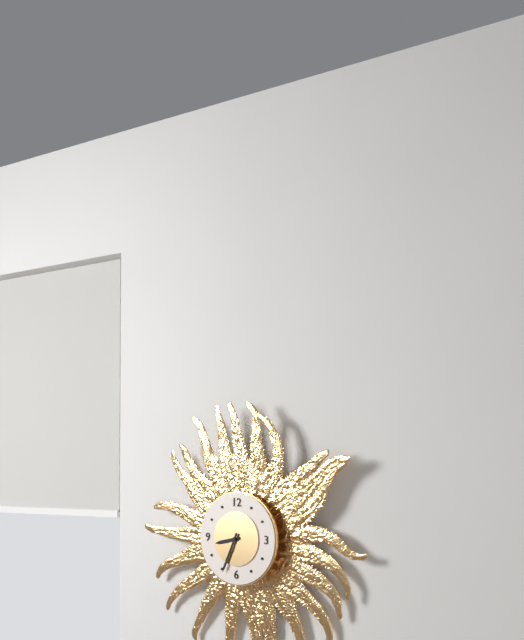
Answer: {"hour": 8, "minute": 34}
